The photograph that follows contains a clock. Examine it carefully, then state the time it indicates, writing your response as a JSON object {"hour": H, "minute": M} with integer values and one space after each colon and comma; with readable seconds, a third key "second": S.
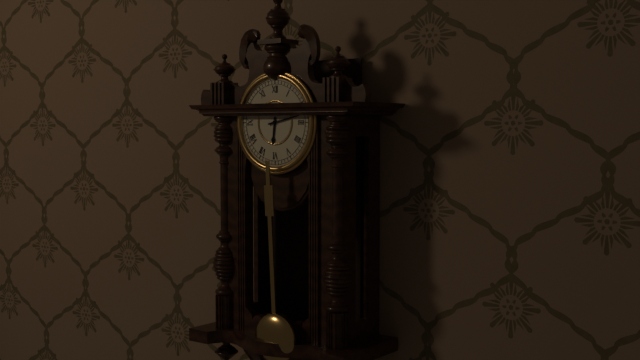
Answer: {"hour": 6, "minute": 13}
